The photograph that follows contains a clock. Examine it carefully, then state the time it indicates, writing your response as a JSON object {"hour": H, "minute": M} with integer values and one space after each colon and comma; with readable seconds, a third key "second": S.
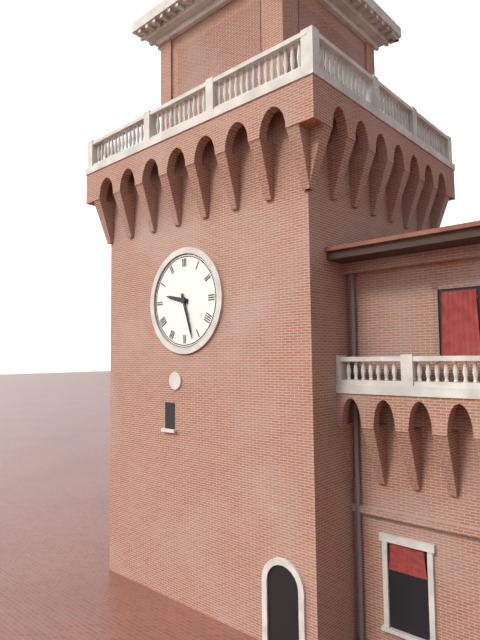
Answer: {"hour": 9, "minute": 27}
